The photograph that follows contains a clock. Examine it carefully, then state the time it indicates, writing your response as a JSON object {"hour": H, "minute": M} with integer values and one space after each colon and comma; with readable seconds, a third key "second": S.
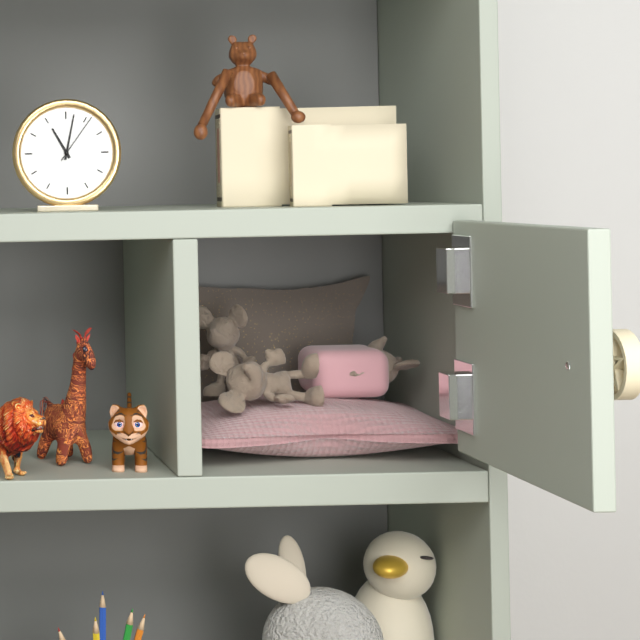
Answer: {"hour": 11, "minute": 2, "second": 6}
